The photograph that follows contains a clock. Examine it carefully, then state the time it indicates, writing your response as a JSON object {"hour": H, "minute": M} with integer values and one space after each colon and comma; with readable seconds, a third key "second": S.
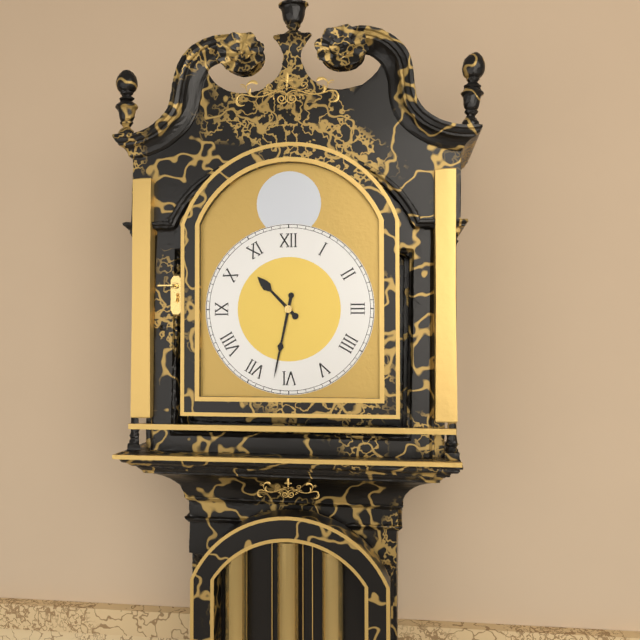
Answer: {"hour": 10, "minute": 32}
